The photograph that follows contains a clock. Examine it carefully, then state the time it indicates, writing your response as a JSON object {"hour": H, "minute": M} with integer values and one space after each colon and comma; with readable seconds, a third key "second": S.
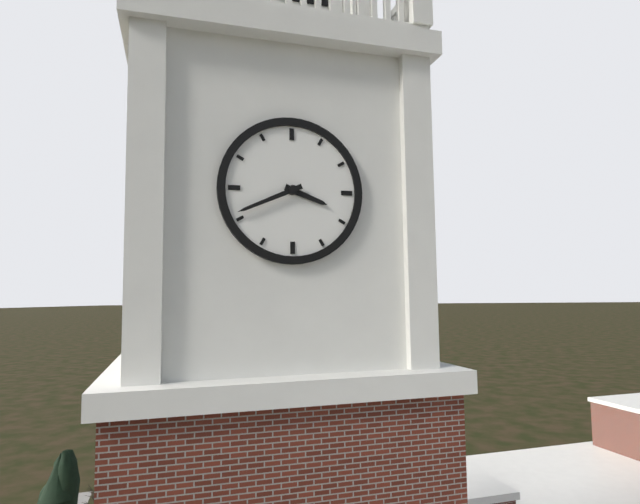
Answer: {"hour": 3, "minute": 41}
